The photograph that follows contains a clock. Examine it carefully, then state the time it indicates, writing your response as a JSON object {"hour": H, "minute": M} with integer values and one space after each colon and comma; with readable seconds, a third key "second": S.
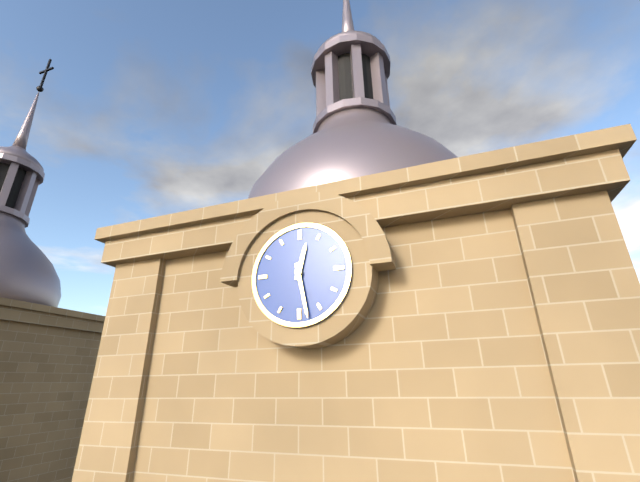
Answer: {"hour": 12, "minute": 28}
